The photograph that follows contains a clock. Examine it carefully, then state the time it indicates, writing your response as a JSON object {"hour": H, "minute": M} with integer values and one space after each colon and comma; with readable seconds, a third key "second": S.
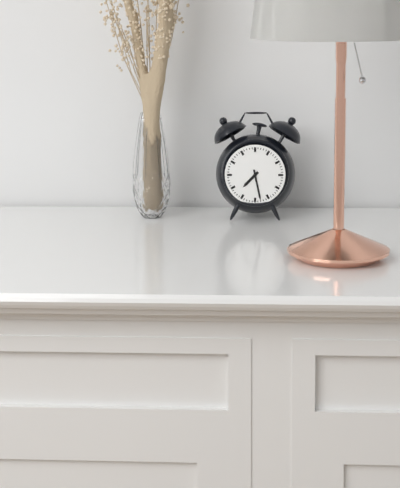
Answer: {"hour": 7, "minute": 28}
